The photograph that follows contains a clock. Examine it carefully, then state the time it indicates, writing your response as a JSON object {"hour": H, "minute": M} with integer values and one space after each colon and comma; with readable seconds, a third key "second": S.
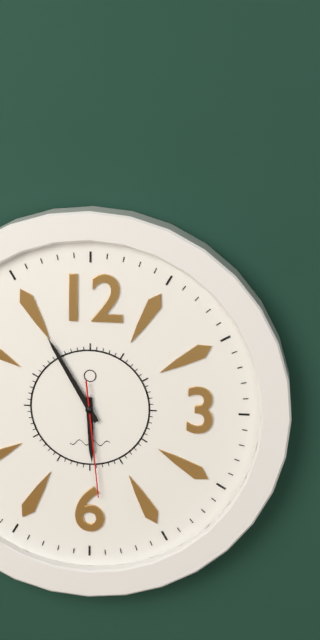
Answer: {"hour": 5, "minute": 55, "second": 29}
